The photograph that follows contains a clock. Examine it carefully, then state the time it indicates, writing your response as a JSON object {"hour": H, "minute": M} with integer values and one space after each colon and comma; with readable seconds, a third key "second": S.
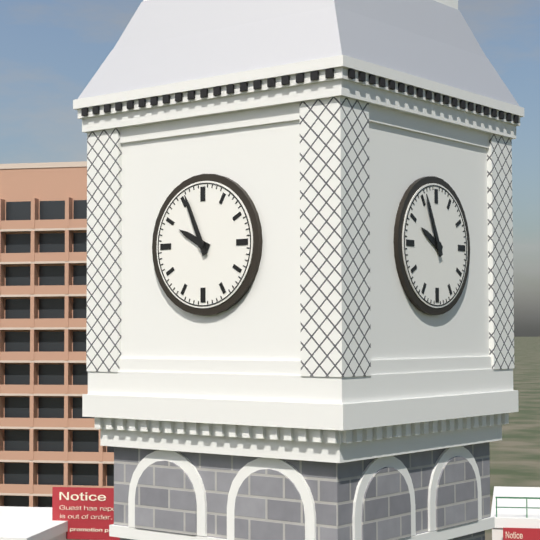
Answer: {"hour": 9, "minute": 56}
